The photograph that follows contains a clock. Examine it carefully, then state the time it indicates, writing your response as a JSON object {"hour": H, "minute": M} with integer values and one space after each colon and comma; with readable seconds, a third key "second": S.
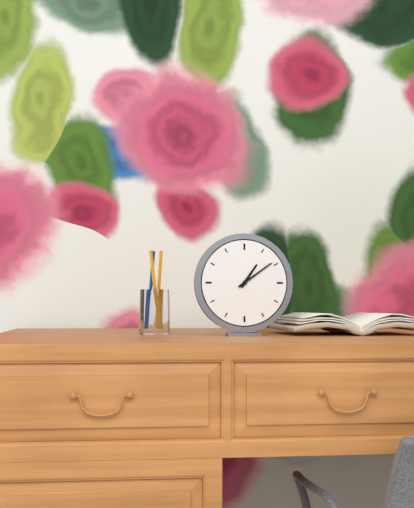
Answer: {"hour": 1, "minute": 9}
